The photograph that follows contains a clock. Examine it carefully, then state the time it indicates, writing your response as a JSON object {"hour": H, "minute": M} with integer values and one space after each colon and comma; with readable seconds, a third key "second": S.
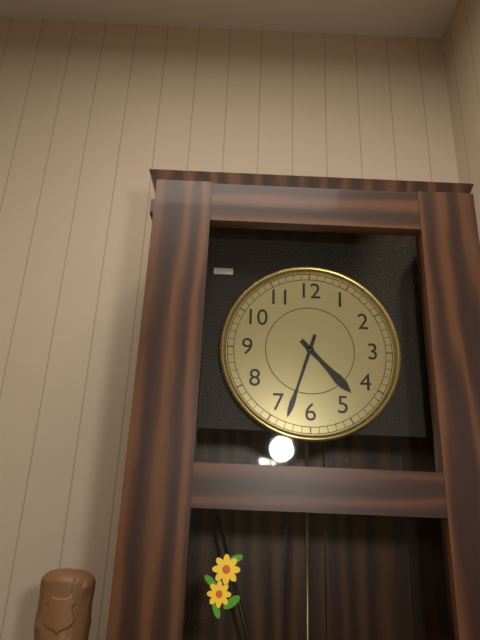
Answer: {"hour": 4, "minute": 33}
